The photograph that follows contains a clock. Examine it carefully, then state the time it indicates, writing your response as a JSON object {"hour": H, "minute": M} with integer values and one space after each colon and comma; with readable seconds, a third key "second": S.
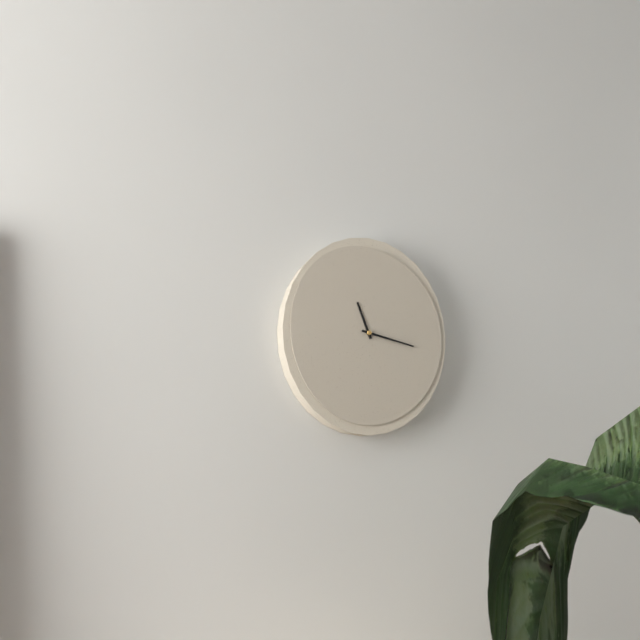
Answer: {"hour": 11, "minute": 17}
